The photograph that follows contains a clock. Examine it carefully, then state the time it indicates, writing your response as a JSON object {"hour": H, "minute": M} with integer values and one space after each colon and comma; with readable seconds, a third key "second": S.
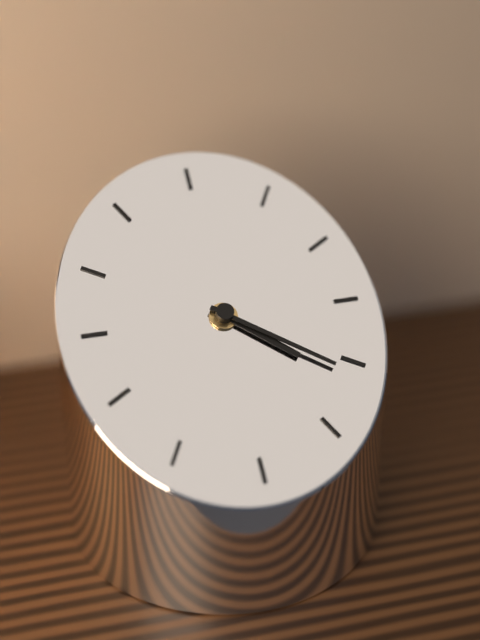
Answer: {"hour": 4, "minute": 21}
